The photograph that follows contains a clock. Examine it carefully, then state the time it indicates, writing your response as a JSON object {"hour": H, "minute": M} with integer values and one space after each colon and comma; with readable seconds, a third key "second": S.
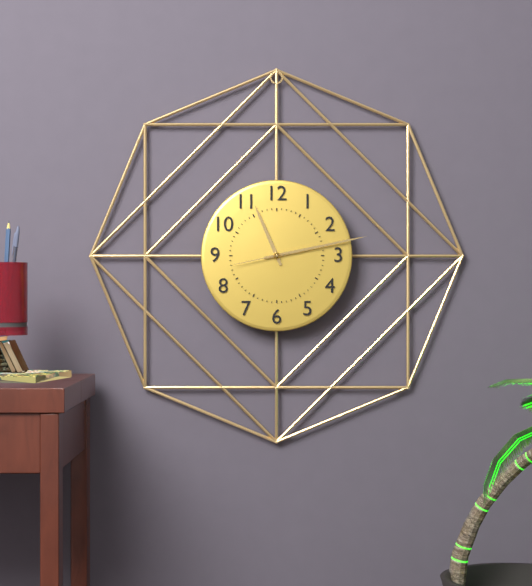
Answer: {"hour": 11, "minute": 13, "second": 43}
